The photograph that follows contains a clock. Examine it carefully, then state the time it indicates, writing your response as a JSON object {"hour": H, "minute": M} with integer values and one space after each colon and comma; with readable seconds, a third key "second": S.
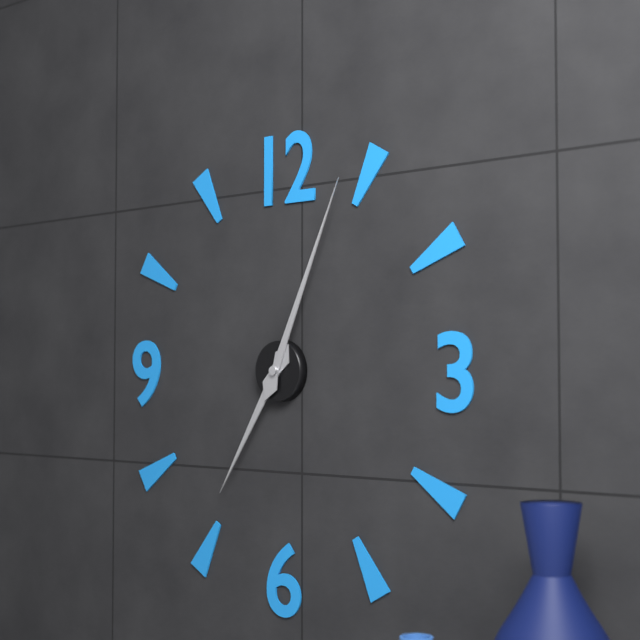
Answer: {"hour": 7, "minute": 4}
